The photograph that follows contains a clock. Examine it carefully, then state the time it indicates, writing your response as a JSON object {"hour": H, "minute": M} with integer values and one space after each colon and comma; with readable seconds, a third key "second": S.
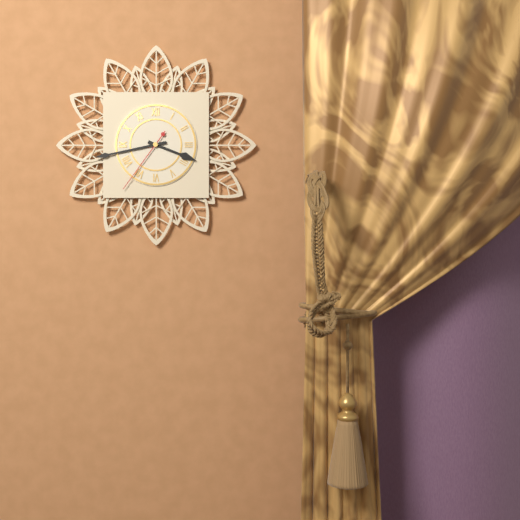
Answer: {"hour": 3, "minute": 43, "second": 36}
